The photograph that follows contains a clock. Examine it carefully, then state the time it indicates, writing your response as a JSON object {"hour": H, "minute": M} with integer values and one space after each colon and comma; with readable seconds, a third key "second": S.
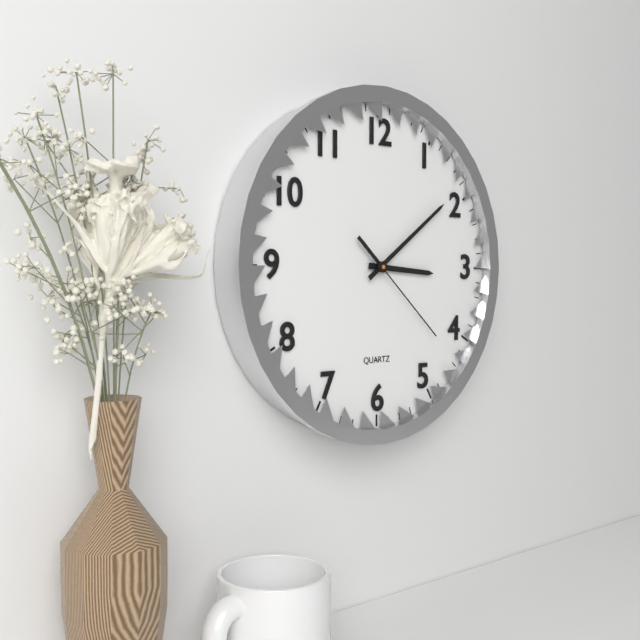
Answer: {"hour": 3, "minute": 9, "second": 22}
